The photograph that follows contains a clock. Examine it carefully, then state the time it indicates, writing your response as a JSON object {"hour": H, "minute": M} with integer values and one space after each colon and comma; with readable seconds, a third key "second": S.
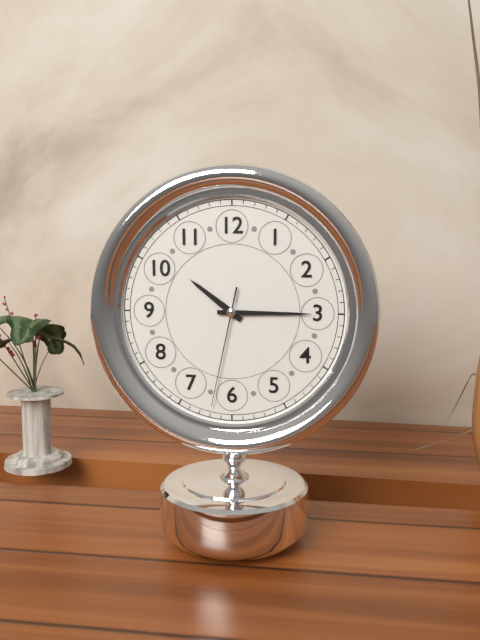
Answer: {"hour": 10, "minute": 15, "second": 32}
